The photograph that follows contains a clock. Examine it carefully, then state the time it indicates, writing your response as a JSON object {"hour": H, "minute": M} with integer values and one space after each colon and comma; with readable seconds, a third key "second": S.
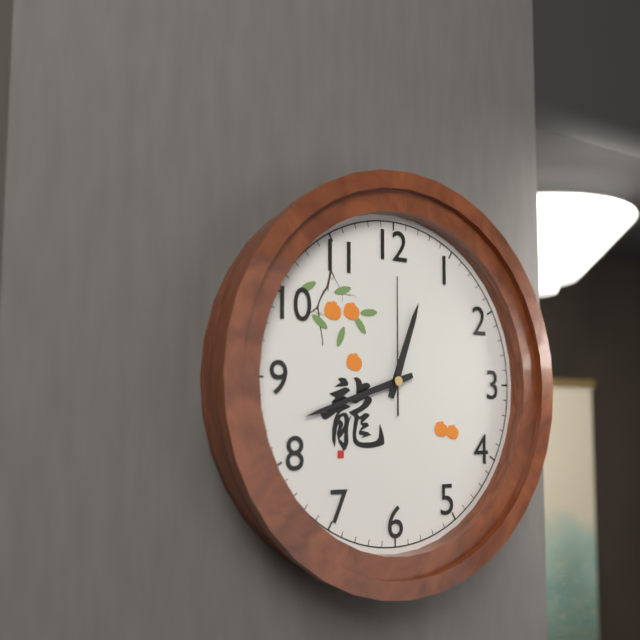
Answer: {"hour": 12, "minute": 42, "second": 0}
